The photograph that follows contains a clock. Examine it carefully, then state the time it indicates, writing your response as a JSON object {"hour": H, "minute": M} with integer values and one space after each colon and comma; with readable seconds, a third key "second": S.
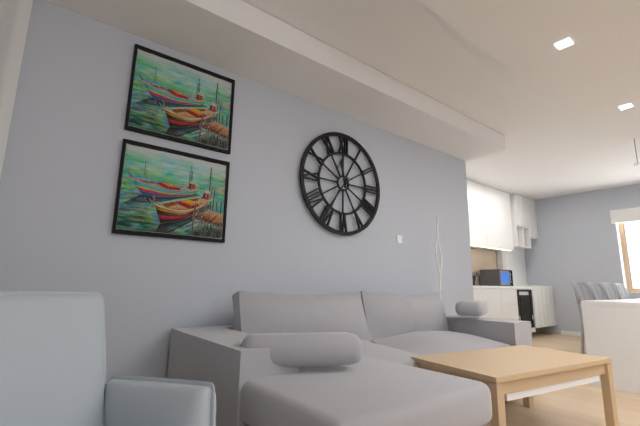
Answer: {"hour": 11, "minute": 36}
